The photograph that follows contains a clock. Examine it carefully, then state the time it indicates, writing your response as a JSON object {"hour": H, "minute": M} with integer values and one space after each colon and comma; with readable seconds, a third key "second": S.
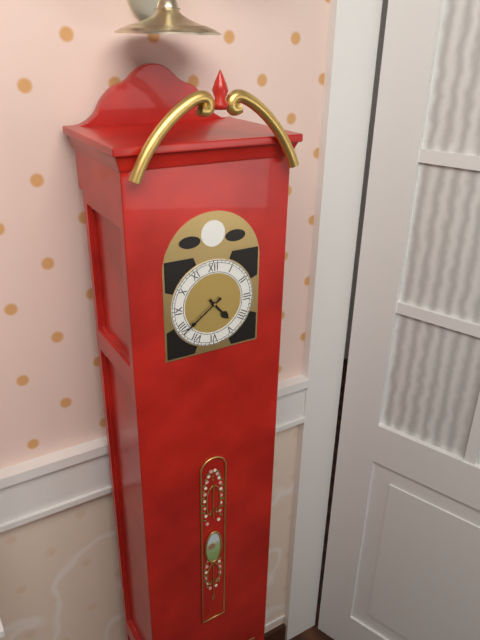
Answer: {"hour": 4, "minute": 39}
